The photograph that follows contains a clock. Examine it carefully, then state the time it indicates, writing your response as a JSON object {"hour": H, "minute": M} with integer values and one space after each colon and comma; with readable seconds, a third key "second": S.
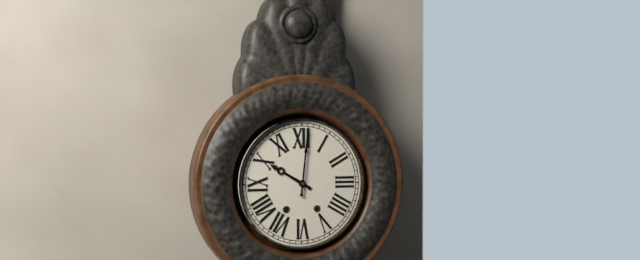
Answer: {"hour": 10, "minute": 1}
